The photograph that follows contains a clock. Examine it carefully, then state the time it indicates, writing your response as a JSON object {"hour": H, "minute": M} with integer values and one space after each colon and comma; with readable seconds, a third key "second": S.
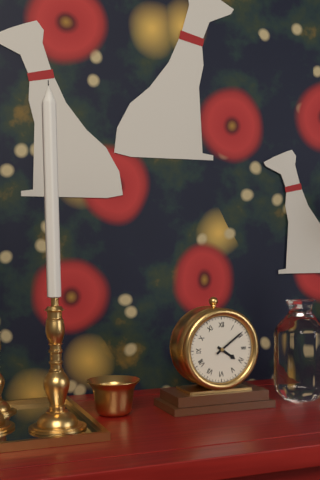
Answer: {"hour": 4, "minute": 9}
